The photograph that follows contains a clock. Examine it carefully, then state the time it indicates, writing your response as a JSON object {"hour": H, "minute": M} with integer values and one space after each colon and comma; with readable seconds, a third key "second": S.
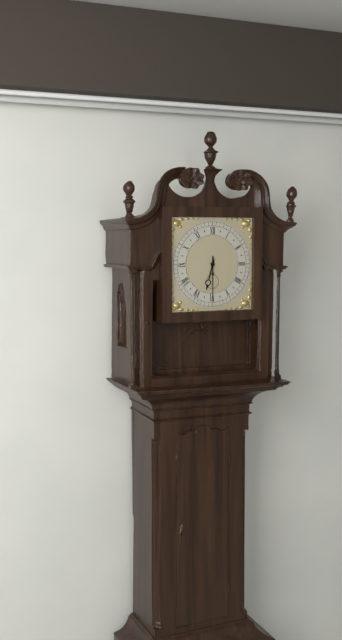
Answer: {"hour": 6, "minute": 30}
